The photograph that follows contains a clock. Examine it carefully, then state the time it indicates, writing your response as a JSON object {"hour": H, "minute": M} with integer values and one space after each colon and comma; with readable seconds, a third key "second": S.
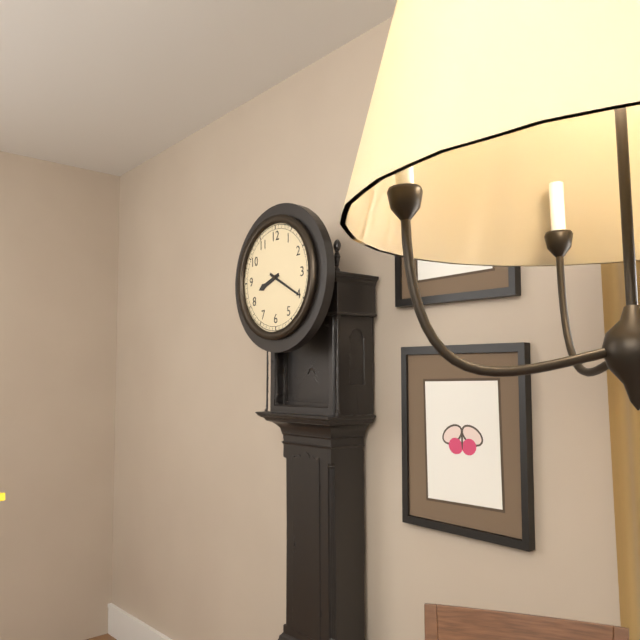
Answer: {"hour": 8, "minute": 20}
